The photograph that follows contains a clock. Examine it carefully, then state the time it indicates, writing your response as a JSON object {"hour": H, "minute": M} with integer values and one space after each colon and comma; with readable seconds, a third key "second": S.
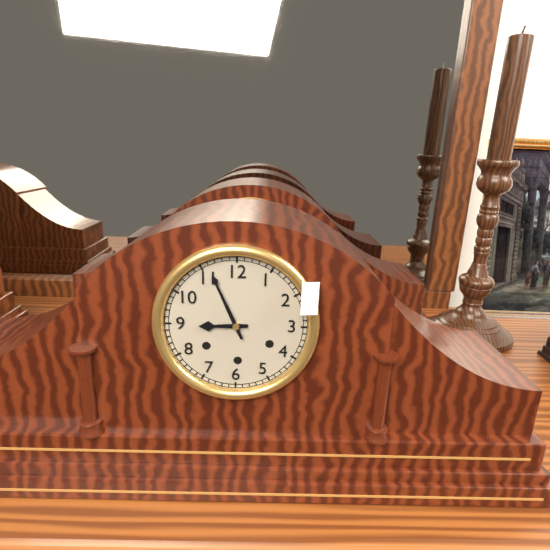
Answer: {"hour": 8, "minute": 56}
